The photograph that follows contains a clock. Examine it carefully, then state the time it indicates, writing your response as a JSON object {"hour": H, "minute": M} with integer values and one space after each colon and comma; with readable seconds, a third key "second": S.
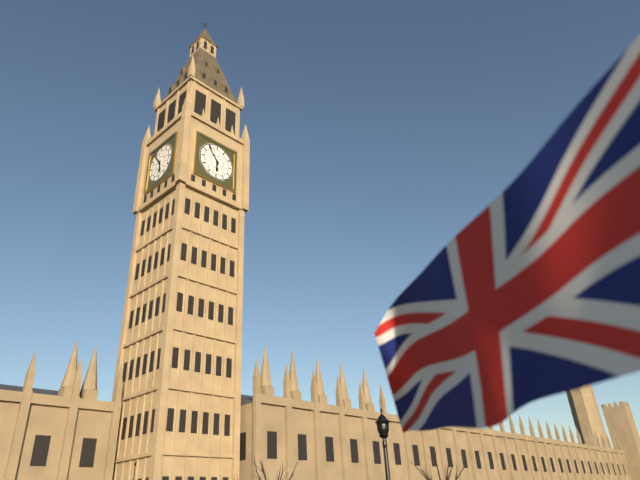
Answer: {"hour": 5, "minute": 54}
